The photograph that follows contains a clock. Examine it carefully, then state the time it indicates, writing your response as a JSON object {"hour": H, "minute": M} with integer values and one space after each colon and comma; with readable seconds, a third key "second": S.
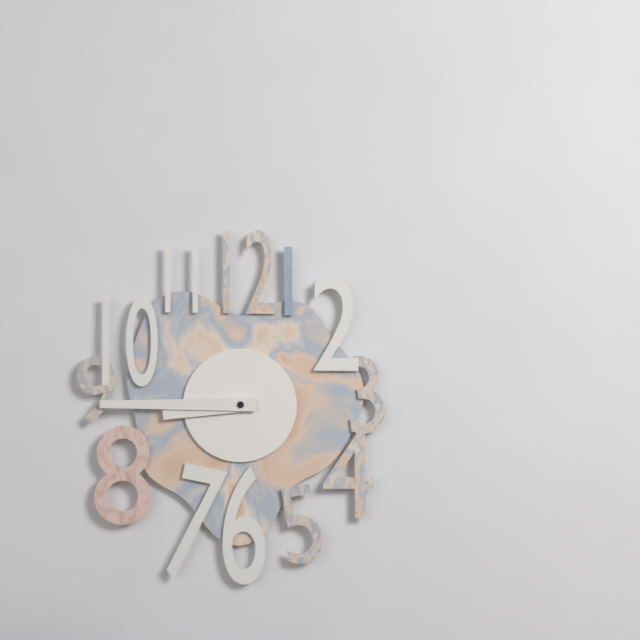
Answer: {"hour": 8, "minute": 45}
